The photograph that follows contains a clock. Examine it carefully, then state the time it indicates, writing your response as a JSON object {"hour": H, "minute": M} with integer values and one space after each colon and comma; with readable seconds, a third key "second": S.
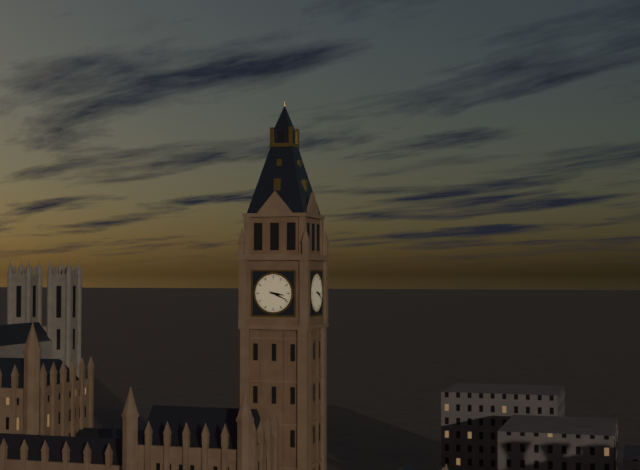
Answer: {"hour": 3, "minute": 19}
